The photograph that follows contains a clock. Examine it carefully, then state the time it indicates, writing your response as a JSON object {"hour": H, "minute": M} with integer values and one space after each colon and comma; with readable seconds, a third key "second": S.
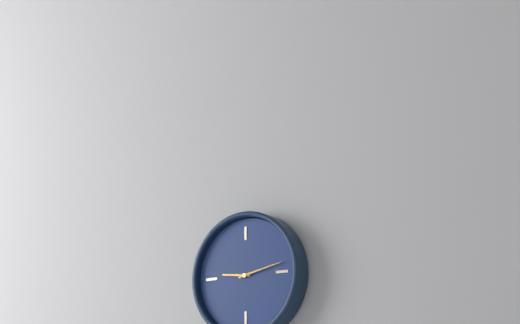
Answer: {"hour": 9, "minute": 13}
